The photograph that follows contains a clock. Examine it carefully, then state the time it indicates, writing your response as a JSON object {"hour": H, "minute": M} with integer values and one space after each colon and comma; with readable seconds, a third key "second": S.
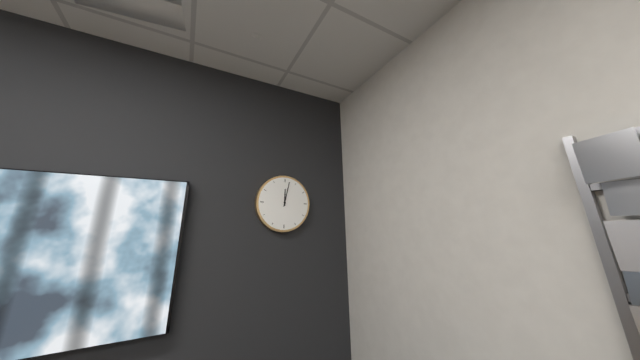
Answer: {"hour": 12, "minute": 2}
